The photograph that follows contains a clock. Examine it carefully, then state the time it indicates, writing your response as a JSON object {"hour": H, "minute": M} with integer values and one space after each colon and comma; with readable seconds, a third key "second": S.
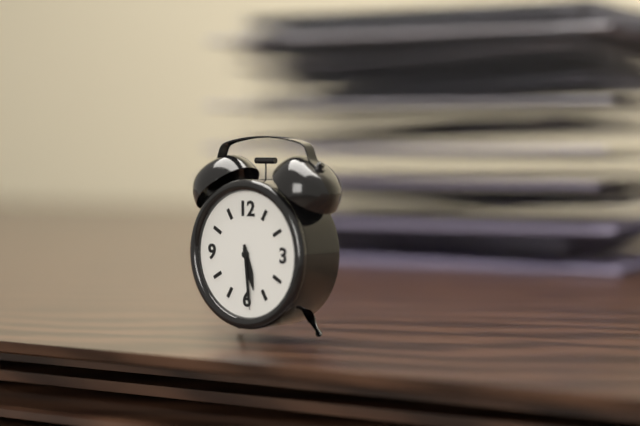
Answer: {"hour": 5, "minute": 29}
